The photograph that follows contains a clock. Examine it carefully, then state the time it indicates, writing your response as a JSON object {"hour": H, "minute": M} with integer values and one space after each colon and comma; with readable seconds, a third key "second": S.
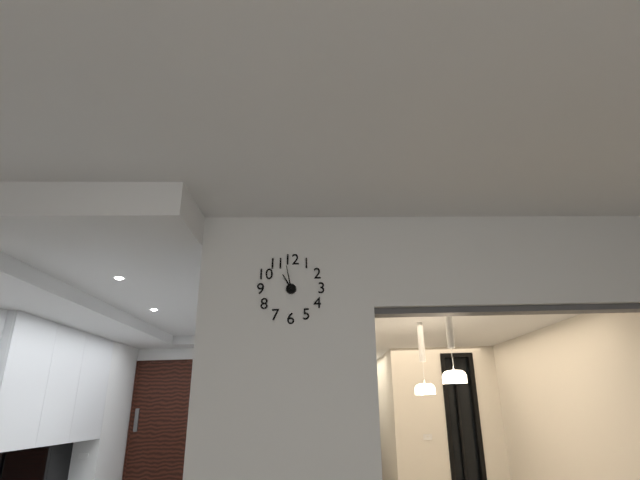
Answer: {"hour": 10, "minute": 58}
